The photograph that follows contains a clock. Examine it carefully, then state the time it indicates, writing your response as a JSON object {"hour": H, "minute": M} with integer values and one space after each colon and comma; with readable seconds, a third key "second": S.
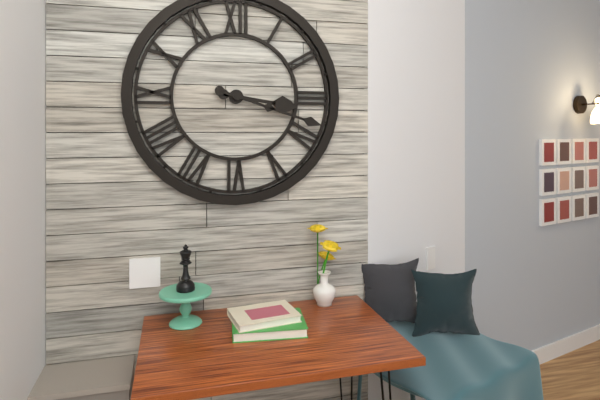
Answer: {"hour": 3, "minute": 18}
